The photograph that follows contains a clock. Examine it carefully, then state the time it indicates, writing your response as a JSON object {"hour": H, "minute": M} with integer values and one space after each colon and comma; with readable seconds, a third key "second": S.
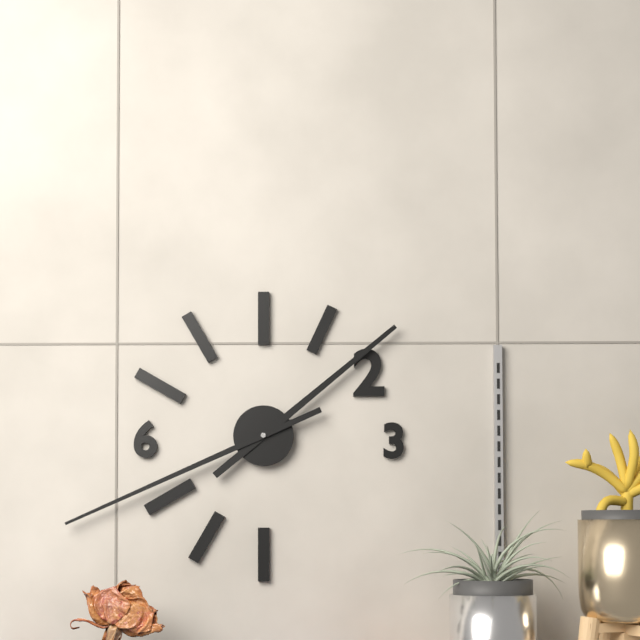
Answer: {"hour": 1, "minute": 41}
